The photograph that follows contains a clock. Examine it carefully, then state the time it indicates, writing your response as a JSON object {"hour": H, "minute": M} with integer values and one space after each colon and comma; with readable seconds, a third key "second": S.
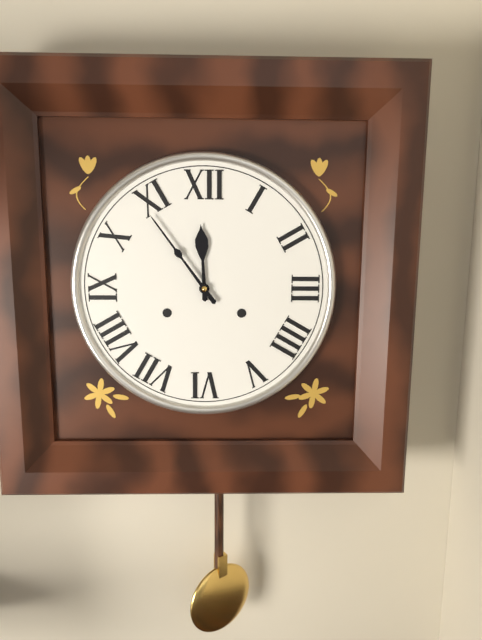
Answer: {"hour": 11, "minute": 54}
